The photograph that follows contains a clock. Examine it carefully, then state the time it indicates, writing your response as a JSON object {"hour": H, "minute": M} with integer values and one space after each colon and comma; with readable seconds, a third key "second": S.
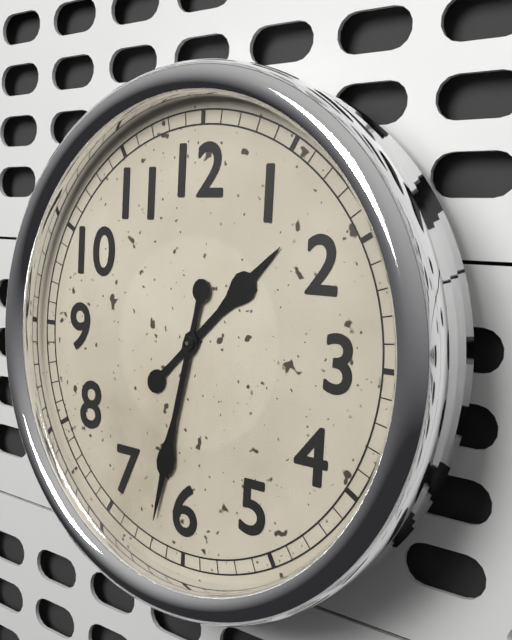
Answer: {"hour": 1, "minute": 32}
